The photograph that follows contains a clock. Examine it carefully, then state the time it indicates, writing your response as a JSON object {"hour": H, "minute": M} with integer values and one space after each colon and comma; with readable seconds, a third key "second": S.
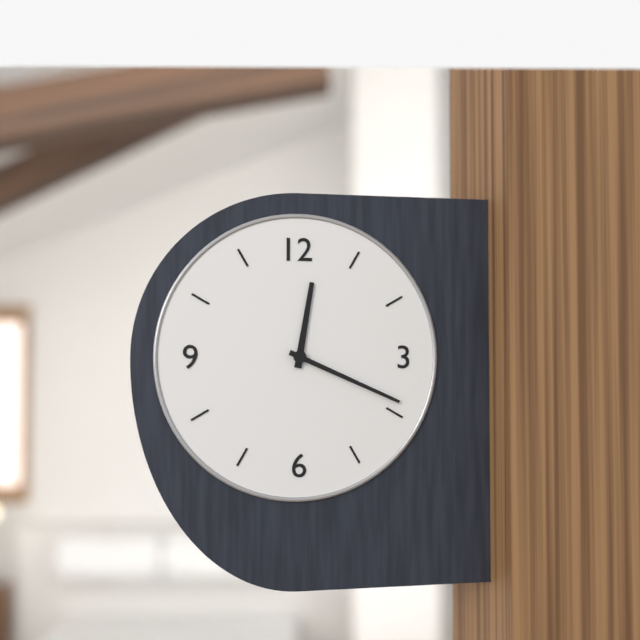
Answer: {"hour": 12, "minute": 19}
